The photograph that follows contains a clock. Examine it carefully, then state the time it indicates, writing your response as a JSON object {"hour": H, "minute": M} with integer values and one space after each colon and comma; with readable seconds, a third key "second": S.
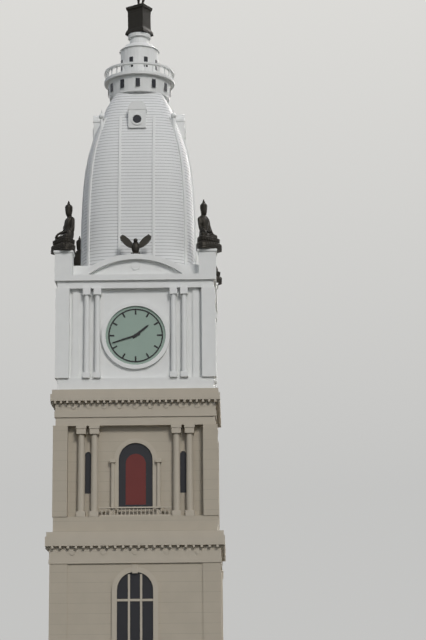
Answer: {"hour": 1, "minute": 42}
